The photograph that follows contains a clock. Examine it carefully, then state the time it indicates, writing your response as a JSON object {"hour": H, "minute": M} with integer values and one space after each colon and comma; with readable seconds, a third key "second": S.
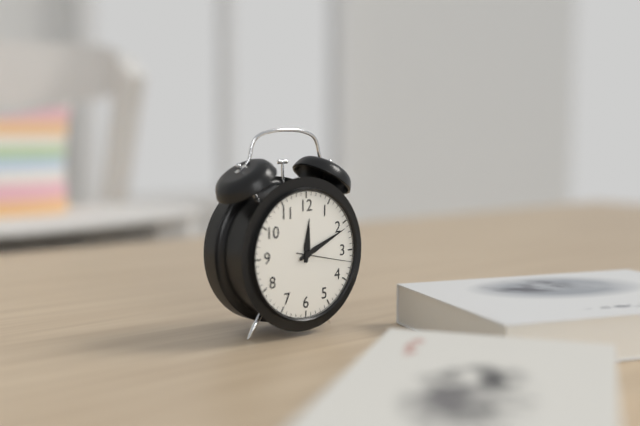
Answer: {"hour": 12, "minute": 11, "second": 17}
